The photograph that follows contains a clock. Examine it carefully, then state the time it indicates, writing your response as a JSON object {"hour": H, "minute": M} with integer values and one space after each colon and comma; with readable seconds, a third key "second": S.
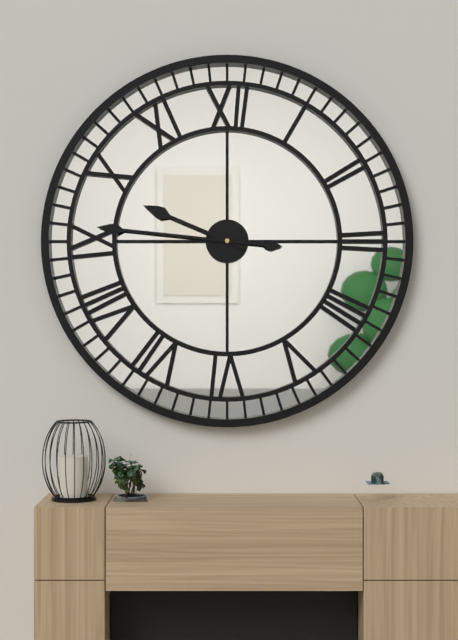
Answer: {"hour": 9, "minute": 46}
